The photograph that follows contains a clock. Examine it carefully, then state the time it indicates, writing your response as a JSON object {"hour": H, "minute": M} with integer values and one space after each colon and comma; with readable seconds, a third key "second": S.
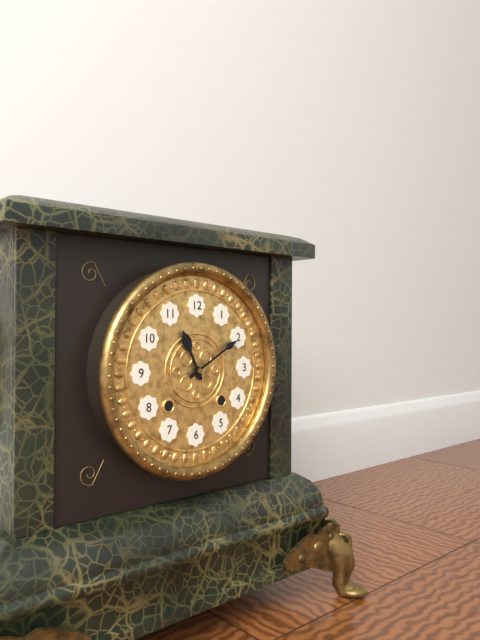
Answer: {"hour": 11, "minute": 10}
